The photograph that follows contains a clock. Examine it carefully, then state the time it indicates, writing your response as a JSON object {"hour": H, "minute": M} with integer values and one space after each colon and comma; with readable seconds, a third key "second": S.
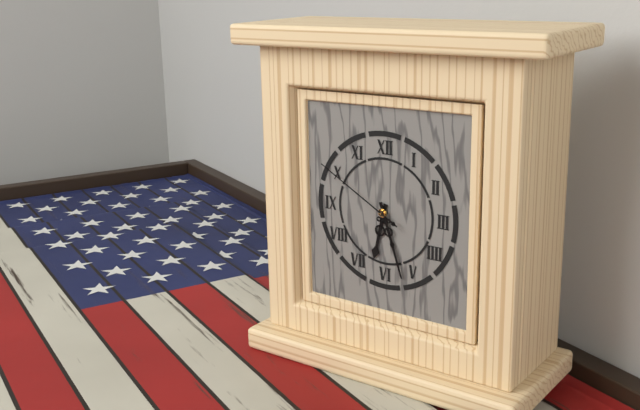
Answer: {"hour": 6, "minute": 27, "second": 50}
